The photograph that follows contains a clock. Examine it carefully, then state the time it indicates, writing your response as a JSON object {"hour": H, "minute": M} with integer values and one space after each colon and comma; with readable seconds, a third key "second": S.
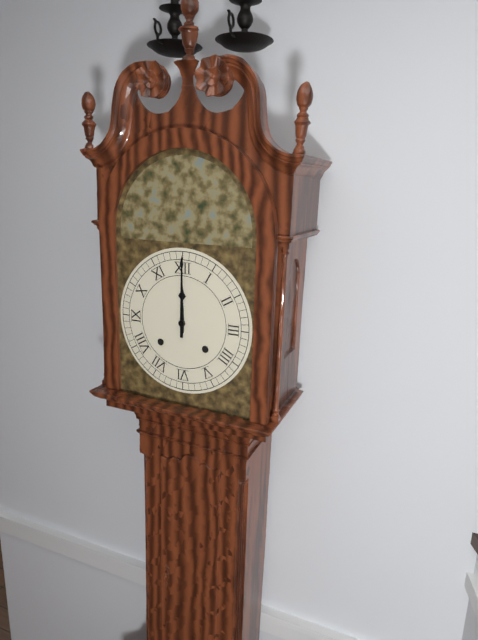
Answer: {"hour": 12, "minute": 0}
